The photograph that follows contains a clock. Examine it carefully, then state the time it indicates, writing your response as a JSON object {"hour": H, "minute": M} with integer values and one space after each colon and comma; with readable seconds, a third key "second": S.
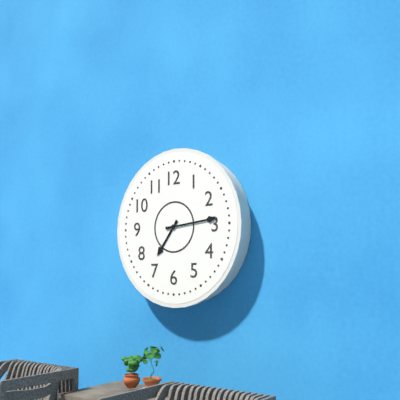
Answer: {"hour": 7, "minute": 14}
